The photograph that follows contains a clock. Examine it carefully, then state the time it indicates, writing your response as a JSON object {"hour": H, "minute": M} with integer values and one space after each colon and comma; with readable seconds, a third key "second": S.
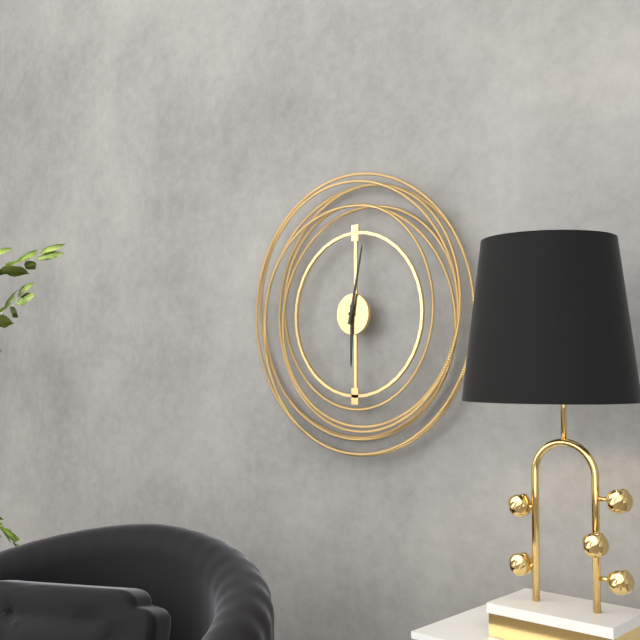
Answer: {"hour": 6, "minute": 2}
